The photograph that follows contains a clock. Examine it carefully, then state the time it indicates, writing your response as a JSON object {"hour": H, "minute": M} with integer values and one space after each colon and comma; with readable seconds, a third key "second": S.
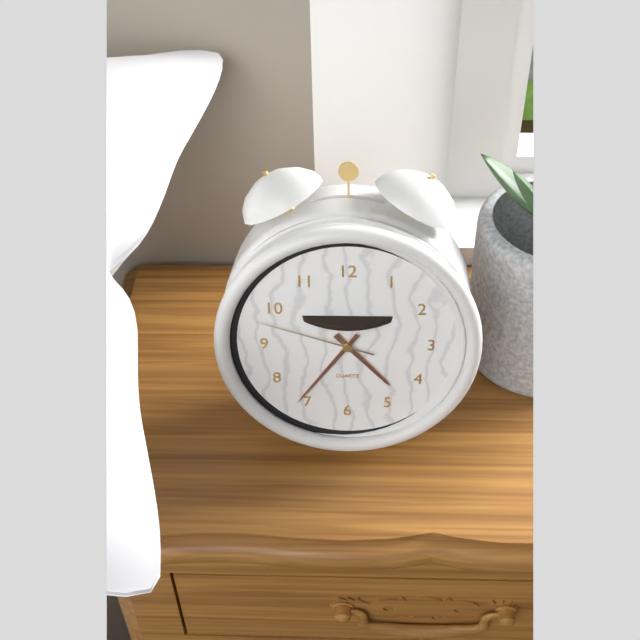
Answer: {"hour": 4, "minute": 36, "second": 48}
